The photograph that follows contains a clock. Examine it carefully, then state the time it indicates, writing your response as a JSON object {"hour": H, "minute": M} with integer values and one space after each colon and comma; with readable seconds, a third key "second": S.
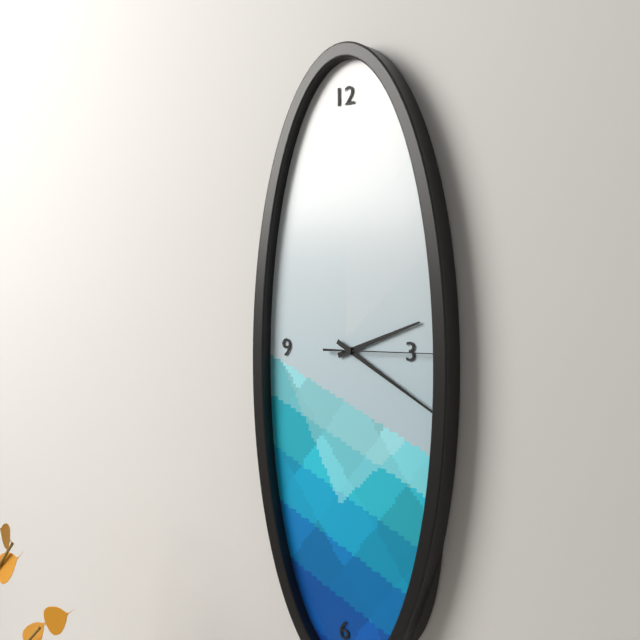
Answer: {"hour": 2, "minute": 20, "second": 15}
